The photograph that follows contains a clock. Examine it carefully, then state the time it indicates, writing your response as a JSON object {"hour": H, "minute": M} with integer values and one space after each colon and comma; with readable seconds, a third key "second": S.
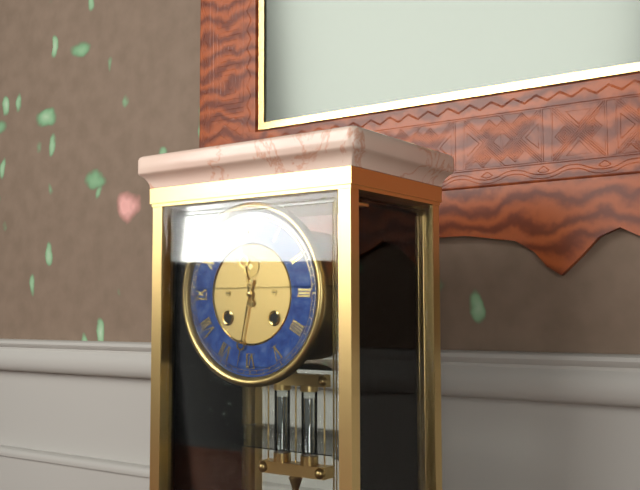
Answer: {"hour": 11, "minute": 32}
